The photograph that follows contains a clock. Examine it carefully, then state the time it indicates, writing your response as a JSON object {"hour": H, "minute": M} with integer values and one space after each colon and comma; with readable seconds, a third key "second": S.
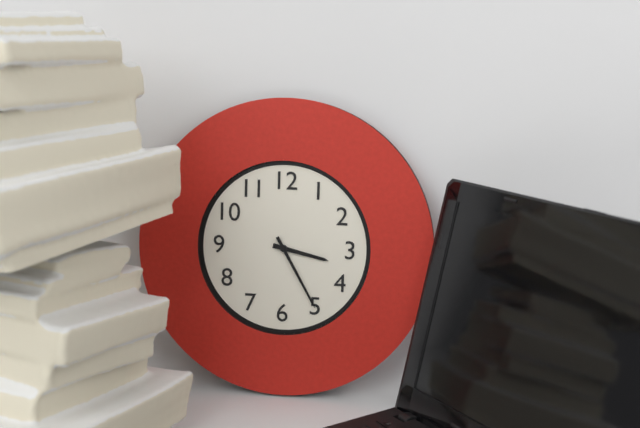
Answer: {"hour": 3, "minute": 25}
